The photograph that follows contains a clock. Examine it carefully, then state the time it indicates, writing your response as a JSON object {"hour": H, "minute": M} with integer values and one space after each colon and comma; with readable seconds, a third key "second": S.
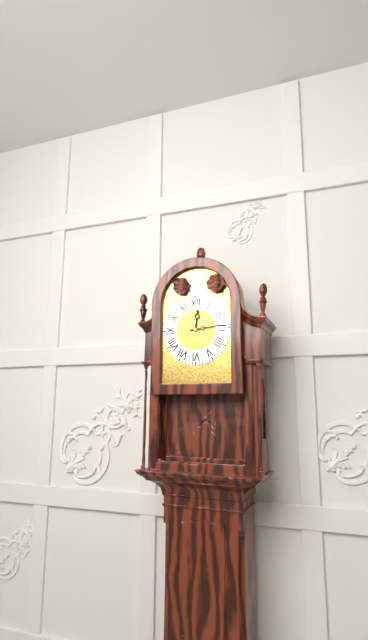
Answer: {"hour": 12, "minute": 14}
